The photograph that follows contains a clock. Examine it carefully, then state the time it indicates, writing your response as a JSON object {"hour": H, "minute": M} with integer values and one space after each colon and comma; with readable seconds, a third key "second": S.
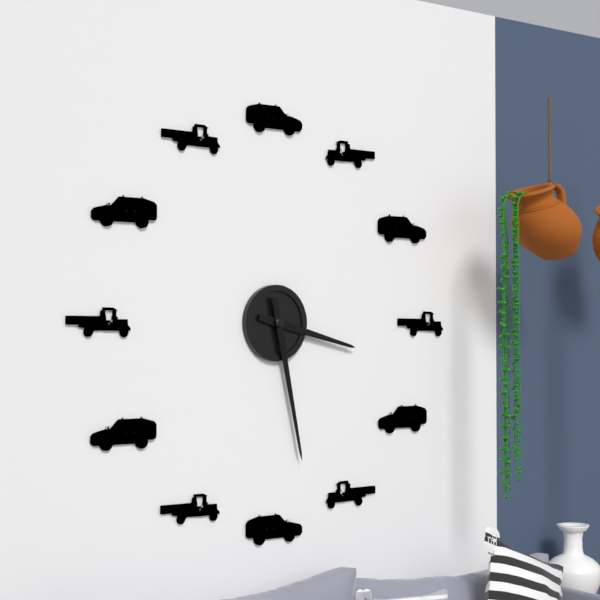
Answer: {"hour": 3, "minute": 28}
